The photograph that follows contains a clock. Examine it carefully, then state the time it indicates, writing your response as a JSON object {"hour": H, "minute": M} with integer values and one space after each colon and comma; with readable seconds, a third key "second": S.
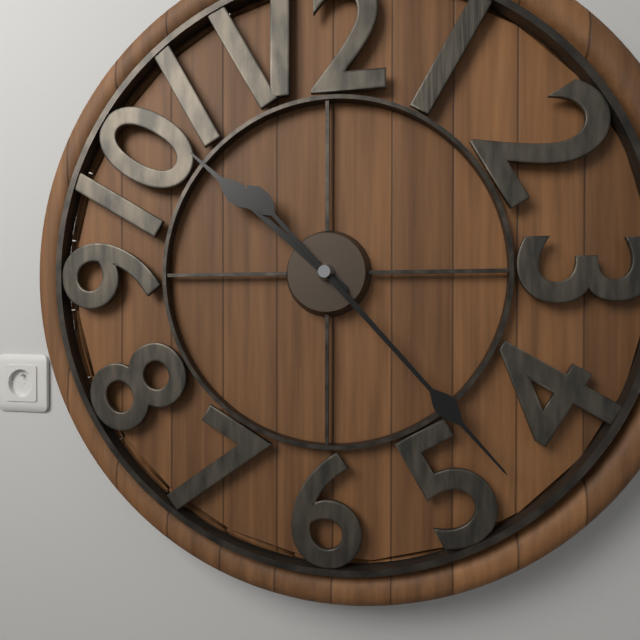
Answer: {"hour": 10, "minute": 23}
